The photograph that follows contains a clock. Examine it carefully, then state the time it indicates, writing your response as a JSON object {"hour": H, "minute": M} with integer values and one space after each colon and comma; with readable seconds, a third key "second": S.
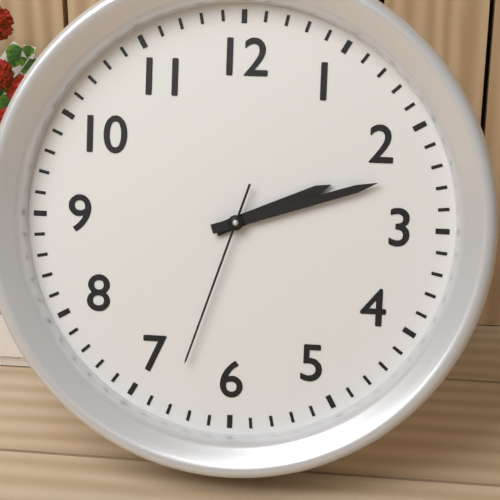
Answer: {"hour": 2, "minute": 12, "second": 33}
